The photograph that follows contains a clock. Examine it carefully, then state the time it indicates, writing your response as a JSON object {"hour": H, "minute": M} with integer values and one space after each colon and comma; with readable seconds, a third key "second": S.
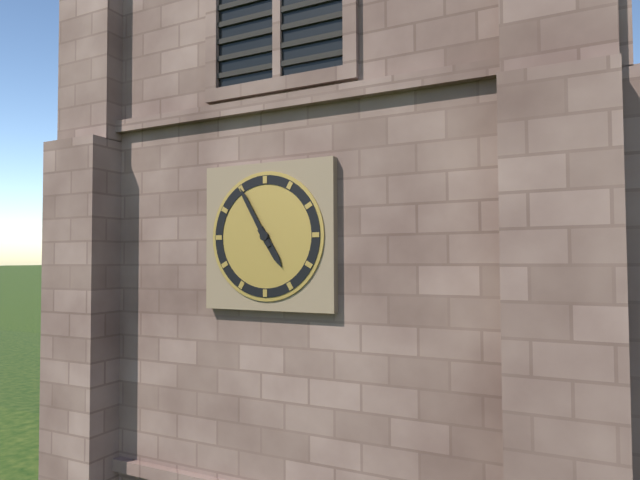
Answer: {"hour": 4, "minute": 55}
